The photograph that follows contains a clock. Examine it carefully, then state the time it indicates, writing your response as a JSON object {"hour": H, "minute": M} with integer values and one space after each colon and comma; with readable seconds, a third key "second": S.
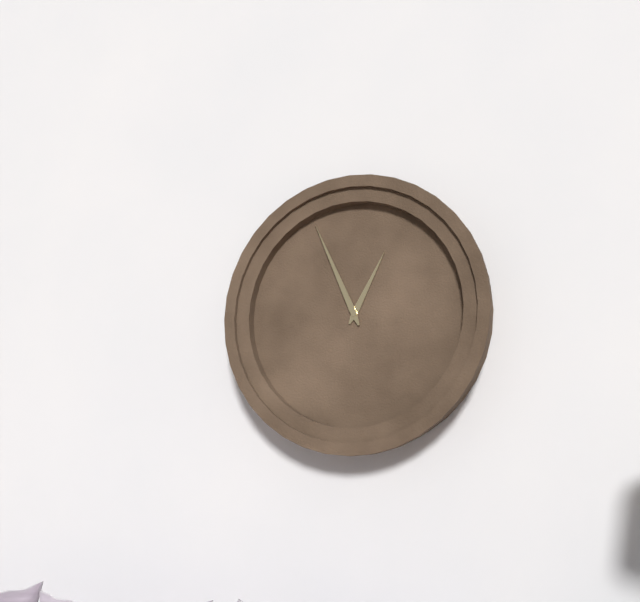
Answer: {"hour": 12, "minute": 56}
